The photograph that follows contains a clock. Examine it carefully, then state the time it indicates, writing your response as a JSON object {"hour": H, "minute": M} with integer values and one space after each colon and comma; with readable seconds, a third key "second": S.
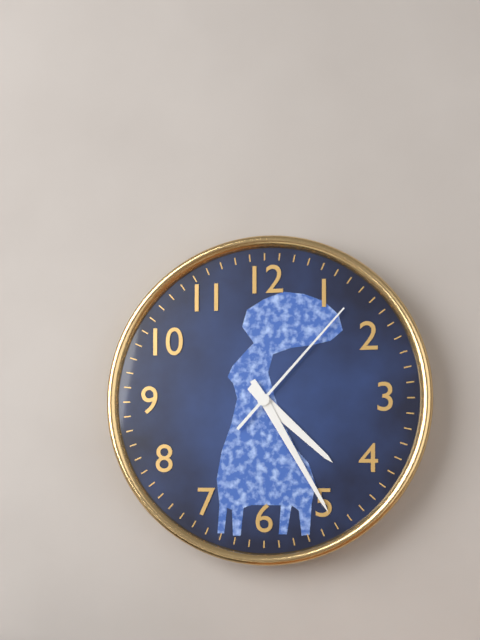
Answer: {"hour": 4, "minute": 25, "second": 7}
